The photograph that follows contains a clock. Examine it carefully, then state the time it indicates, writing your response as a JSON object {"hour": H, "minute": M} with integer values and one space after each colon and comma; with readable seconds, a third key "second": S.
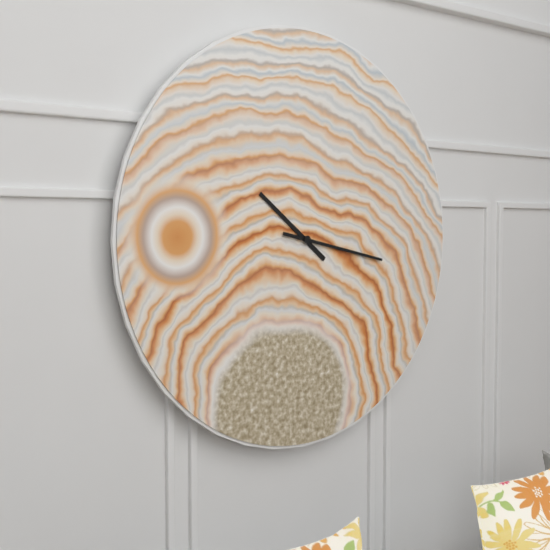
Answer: {"hour": 10, "minute": 17}
